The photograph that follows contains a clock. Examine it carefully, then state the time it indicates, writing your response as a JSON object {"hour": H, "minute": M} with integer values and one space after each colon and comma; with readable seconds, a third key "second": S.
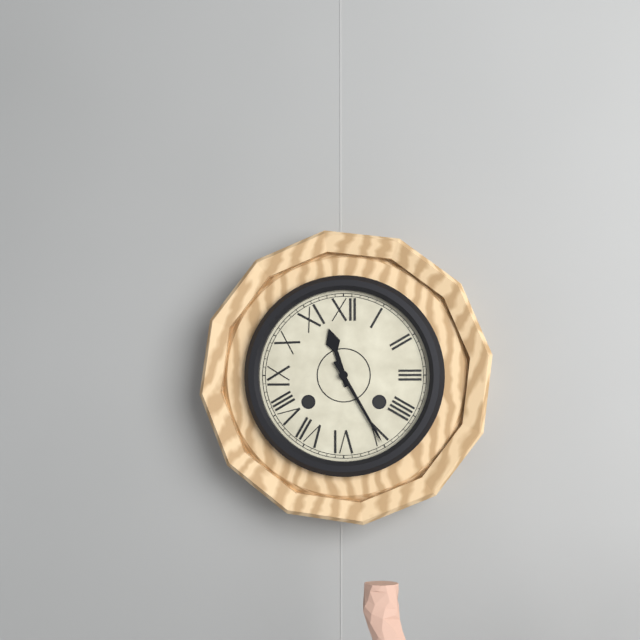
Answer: {"hour": 11, "minute": 25}
